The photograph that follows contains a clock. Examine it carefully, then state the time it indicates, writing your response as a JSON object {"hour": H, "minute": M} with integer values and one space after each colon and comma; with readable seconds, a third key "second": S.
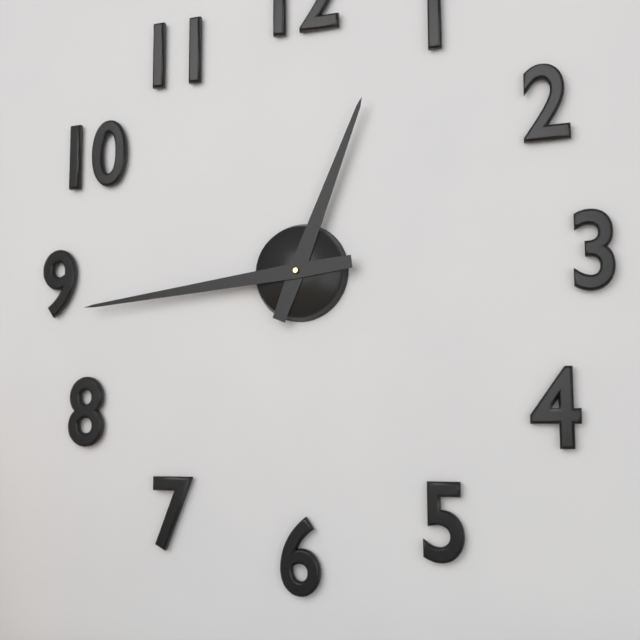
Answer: {"hour": 12, "minute": 44}
